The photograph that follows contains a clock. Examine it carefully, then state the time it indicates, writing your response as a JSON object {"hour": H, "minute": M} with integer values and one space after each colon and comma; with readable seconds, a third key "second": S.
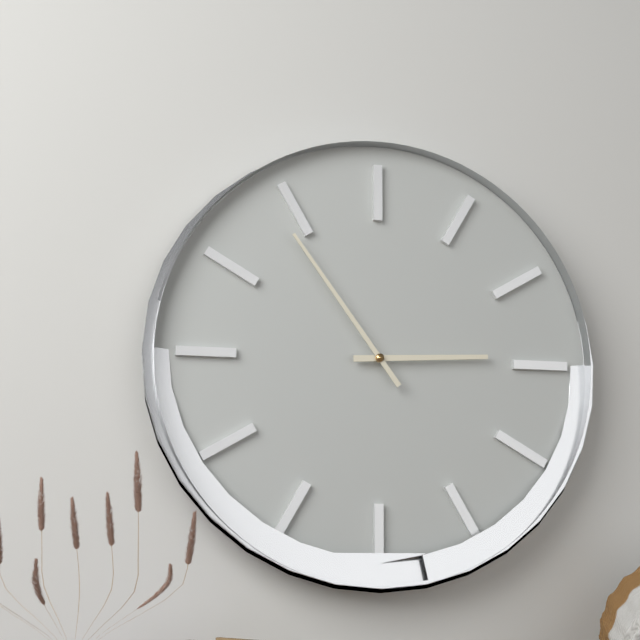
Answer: {"hour": 2, "minute": 54}
